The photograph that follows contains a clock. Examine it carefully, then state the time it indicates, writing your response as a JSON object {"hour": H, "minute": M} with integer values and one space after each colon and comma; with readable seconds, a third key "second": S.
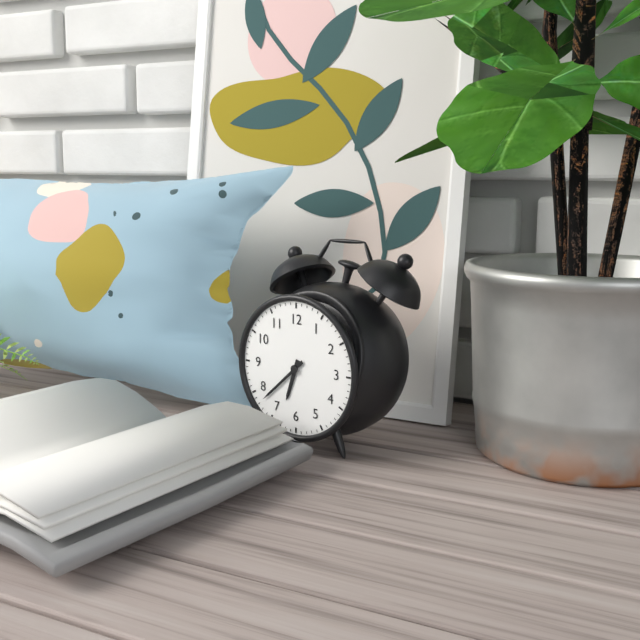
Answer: {"hour": 6, "minute": 38}
